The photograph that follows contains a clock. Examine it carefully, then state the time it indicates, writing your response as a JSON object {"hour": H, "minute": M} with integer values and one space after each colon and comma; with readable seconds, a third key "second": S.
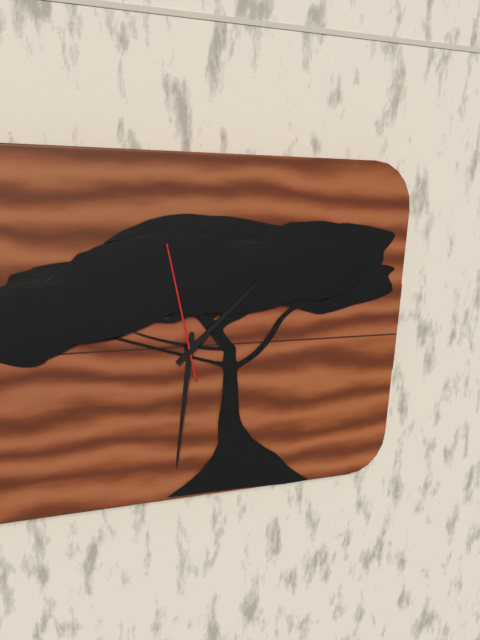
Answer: {"hour": 1, "minute": 31, "second": 58}
